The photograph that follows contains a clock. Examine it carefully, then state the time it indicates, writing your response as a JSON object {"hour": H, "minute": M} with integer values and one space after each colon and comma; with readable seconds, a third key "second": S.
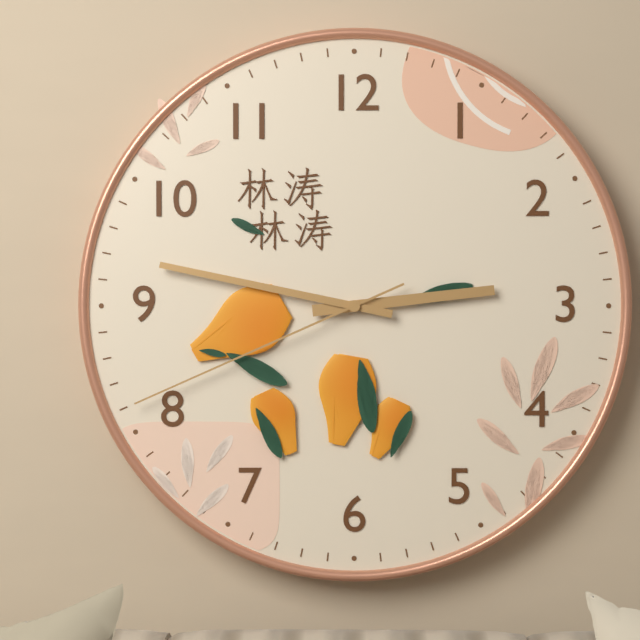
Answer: {"hour": 2, "minute": 47, "second": 41}
